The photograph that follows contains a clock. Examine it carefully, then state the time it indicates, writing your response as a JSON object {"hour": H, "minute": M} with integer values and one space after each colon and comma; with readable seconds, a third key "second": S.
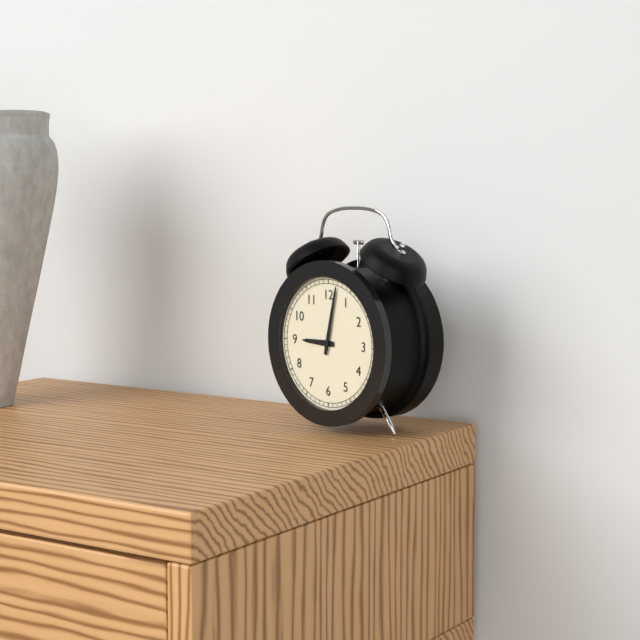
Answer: {"hour": 9, "minute": 2}
